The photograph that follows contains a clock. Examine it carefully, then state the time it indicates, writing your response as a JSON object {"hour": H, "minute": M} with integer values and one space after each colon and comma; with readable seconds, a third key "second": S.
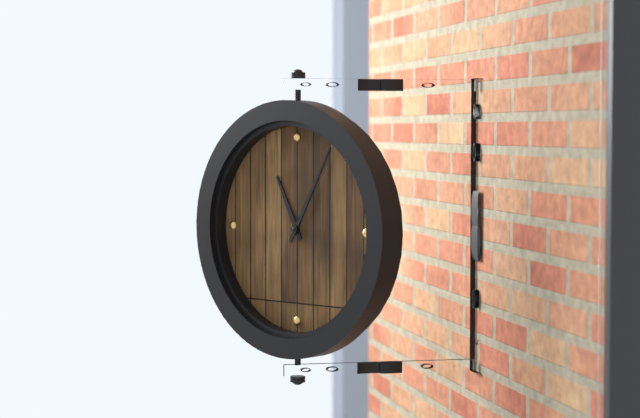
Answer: {"hour": 11, "minute": 5}
